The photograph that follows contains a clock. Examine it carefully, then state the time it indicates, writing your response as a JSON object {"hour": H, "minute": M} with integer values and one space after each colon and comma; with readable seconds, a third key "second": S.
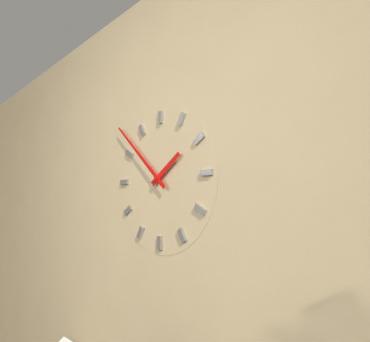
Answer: {"hour": 1, "minute": 52}
